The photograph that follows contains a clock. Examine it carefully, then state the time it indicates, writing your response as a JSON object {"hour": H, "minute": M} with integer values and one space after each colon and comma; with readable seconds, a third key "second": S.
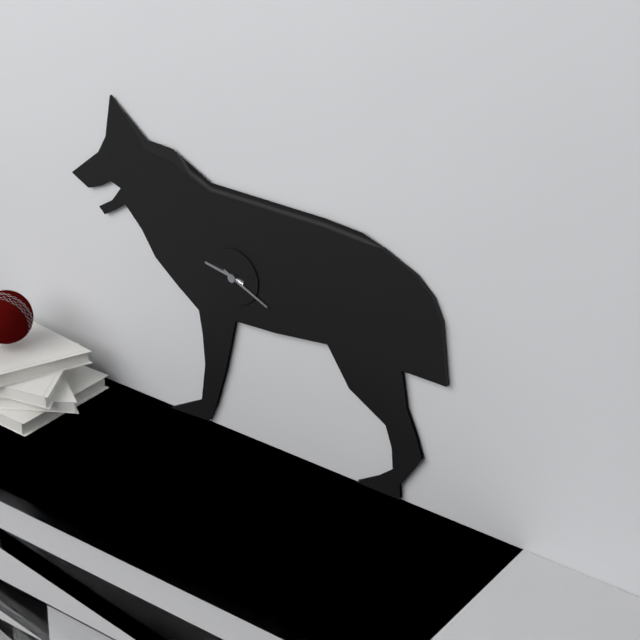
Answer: {"hour": 9, "minute": 19}
